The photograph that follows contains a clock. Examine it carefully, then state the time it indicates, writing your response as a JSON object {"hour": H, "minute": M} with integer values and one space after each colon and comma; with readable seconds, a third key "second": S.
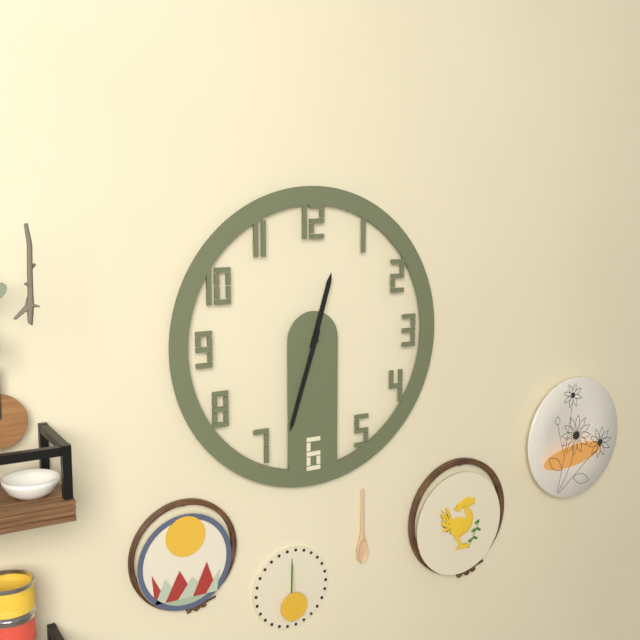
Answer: {"hour": 12, "minute": 33}
